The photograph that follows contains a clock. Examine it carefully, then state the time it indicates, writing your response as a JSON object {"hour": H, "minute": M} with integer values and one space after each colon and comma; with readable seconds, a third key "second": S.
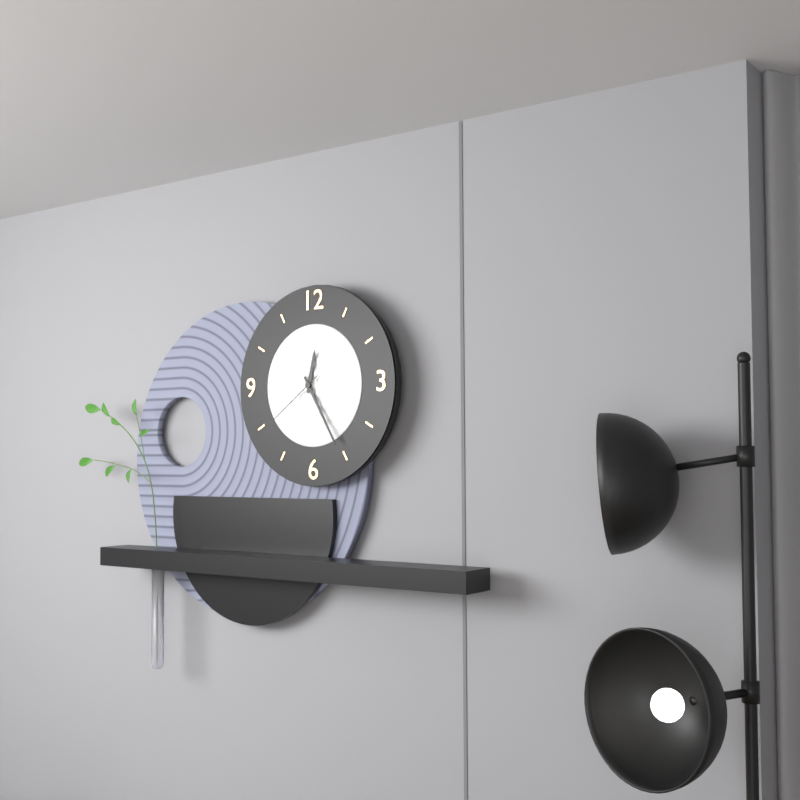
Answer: {"hour": 12, "minute": 25, "second": 39}
